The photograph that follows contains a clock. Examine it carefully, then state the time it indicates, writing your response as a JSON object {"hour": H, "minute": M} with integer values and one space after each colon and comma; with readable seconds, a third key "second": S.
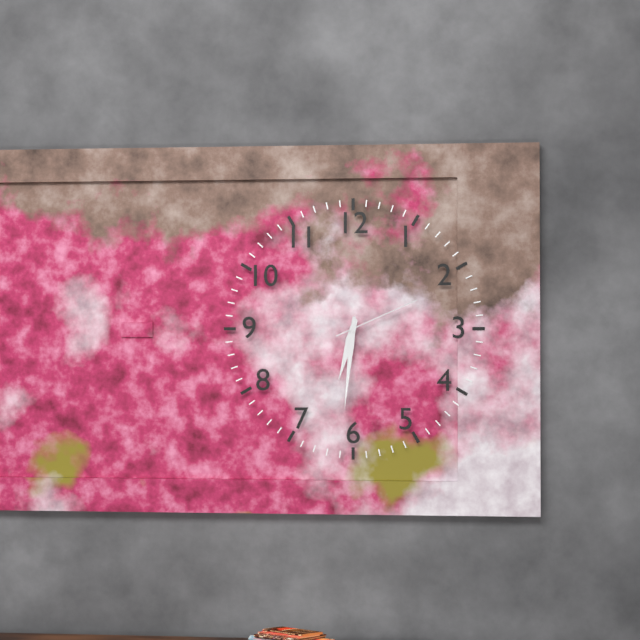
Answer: {"hour": 6, "minute": 31, "second": 11}
